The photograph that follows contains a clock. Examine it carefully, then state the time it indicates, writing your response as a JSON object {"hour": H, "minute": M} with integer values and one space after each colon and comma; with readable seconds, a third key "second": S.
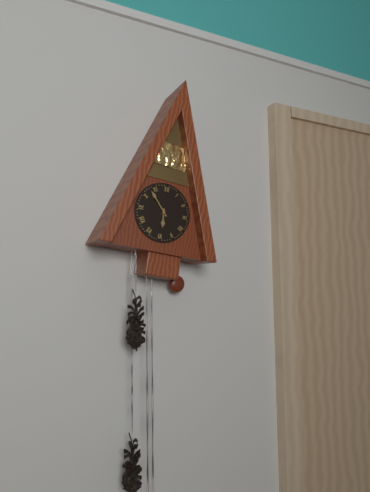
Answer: {"hour": 5, "minute": 53}
